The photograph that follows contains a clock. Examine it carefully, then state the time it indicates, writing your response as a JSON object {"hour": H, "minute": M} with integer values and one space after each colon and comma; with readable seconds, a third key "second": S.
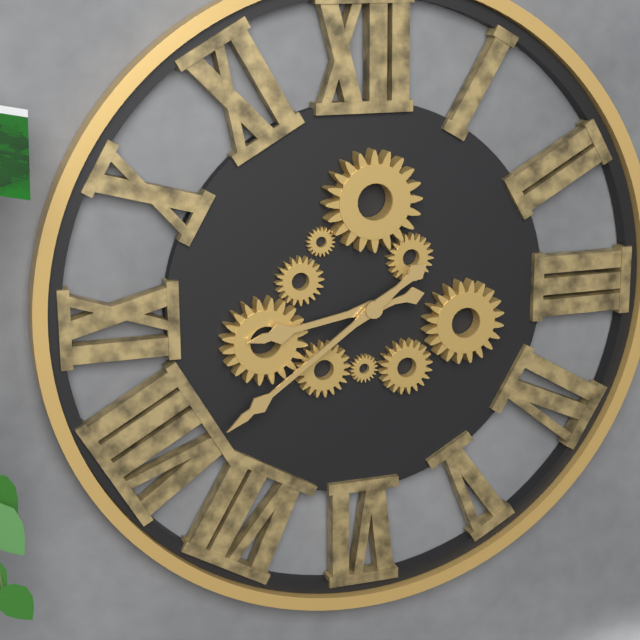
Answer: {"hour": 8, "minute": 39}
